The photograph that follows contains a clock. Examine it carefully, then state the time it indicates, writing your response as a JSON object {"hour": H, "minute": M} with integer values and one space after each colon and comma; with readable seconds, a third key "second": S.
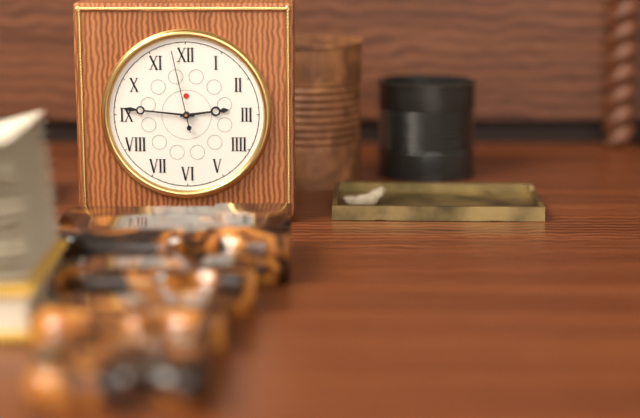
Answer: {"hour": 2, "minute": 46, "second": 58}
